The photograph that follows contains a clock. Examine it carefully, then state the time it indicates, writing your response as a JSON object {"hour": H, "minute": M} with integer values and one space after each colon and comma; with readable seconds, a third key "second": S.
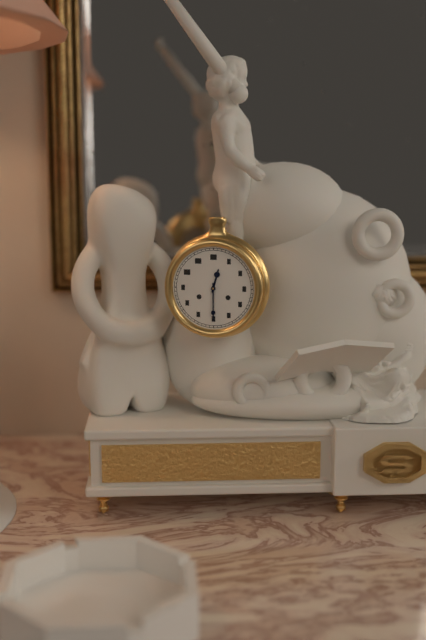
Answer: {"hour": 12, "minute": 30}
